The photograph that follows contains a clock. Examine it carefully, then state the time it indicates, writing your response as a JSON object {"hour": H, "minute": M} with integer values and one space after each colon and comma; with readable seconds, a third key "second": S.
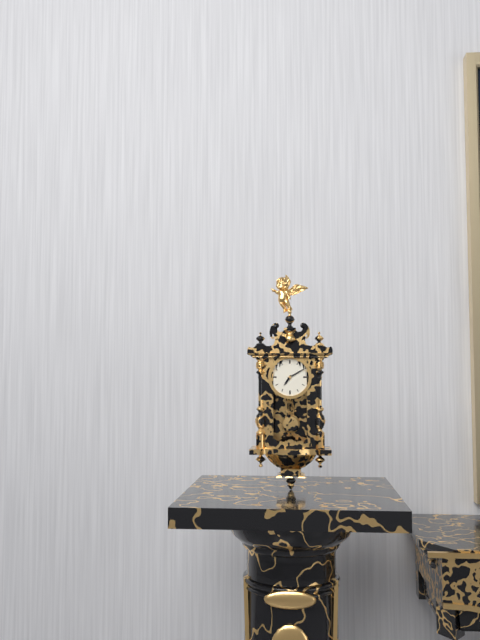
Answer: {"hour": 7, "minute": 10}
